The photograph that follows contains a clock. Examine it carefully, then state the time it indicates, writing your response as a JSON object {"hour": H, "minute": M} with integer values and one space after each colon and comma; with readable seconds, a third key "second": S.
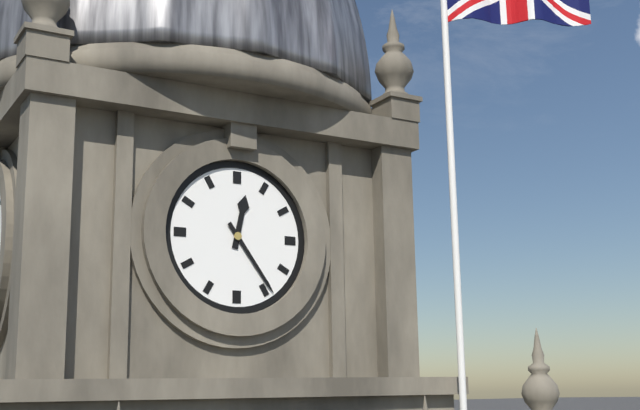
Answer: {"hour": 12, "minute": 24}
